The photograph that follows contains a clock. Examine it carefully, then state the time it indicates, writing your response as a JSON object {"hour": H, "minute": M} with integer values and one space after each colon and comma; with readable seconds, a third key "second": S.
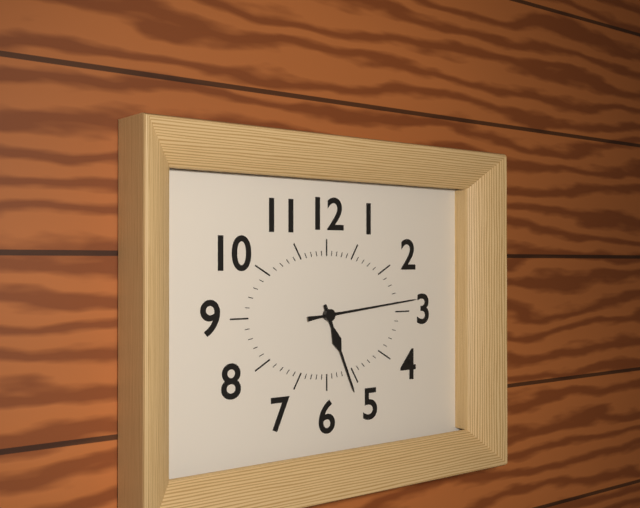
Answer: {"hour": 5, "minute": 14}
